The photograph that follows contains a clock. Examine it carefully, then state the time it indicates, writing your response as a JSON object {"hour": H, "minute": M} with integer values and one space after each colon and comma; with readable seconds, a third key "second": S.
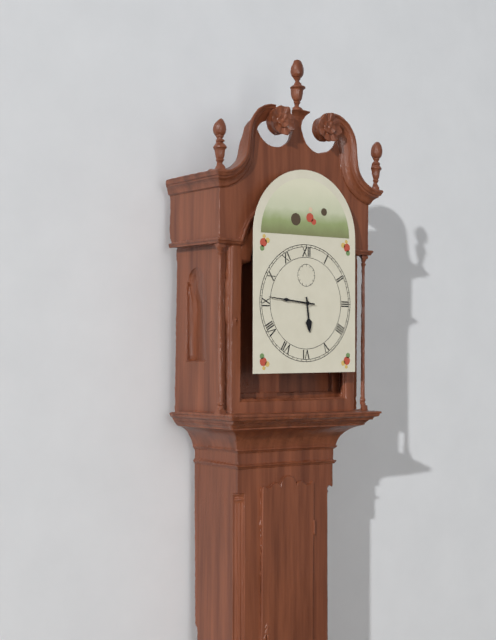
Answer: {"hour": 5, "minute": 46}
